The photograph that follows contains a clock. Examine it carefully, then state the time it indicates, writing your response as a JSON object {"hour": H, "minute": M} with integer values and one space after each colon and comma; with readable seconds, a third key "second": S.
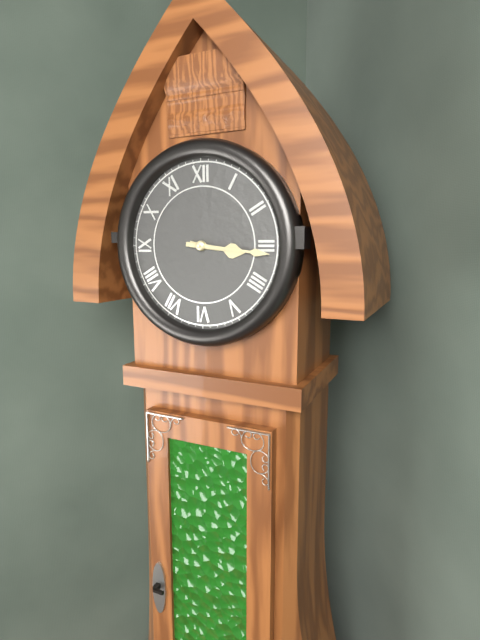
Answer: {"hour": 3, "minute": 16}
